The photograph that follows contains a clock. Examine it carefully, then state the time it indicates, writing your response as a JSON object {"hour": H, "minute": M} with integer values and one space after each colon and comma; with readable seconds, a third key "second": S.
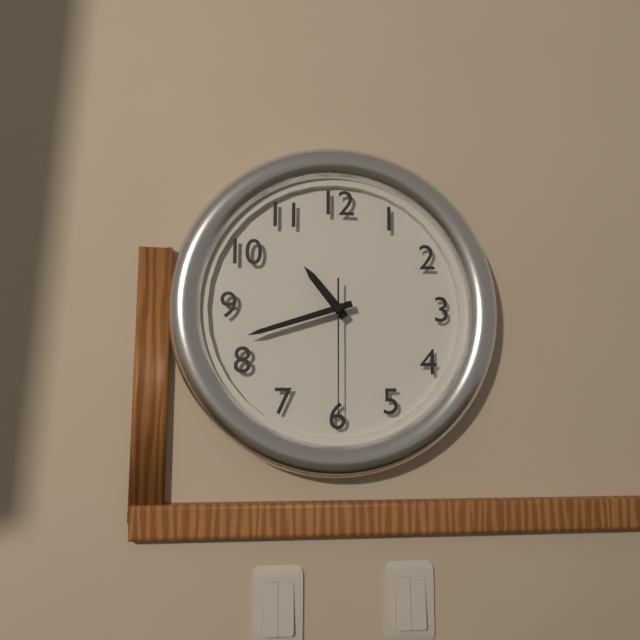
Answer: {"hour": 10, "minute": 42, "second": 30}
